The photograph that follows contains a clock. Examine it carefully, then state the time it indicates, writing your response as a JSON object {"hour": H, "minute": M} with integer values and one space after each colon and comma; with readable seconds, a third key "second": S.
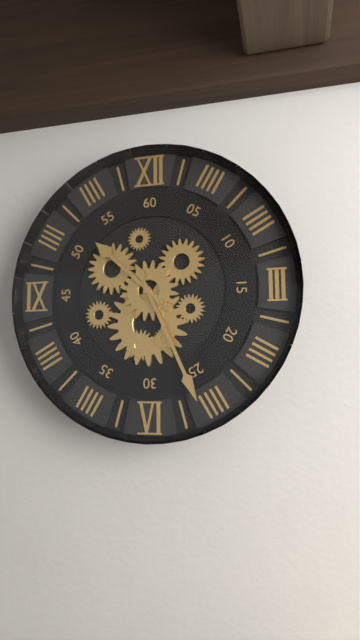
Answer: {"hour": 10, "minute": 26}
